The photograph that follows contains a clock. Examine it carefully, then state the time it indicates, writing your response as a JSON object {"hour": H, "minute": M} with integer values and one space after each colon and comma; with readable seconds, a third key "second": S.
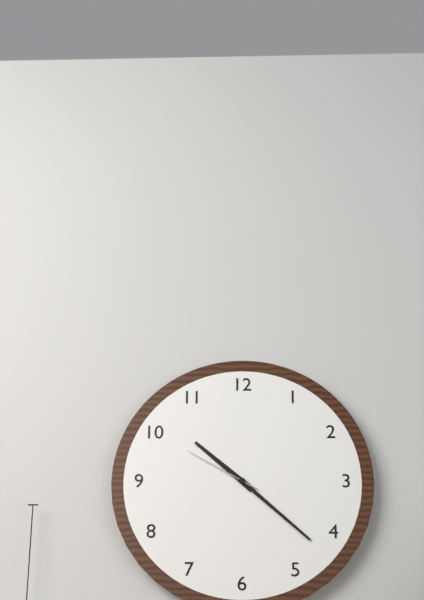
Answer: {"hour": 10, "minute": 22, "second": 50}
